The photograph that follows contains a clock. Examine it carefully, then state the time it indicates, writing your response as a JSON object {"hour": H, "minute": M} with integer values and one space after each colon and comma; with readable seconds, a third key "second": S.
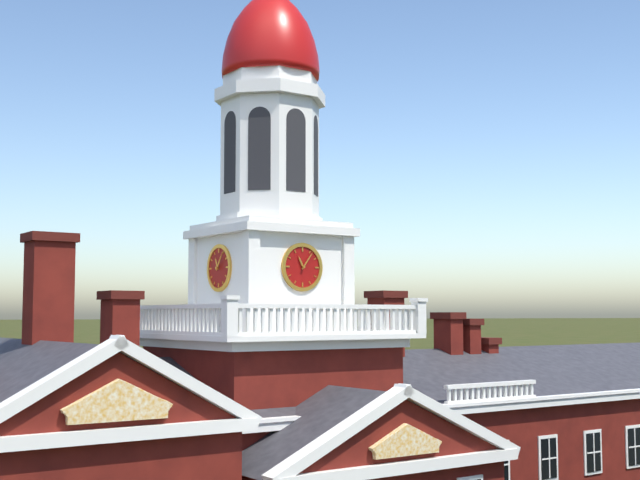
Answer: {"hour": 11, "minute": 6}
